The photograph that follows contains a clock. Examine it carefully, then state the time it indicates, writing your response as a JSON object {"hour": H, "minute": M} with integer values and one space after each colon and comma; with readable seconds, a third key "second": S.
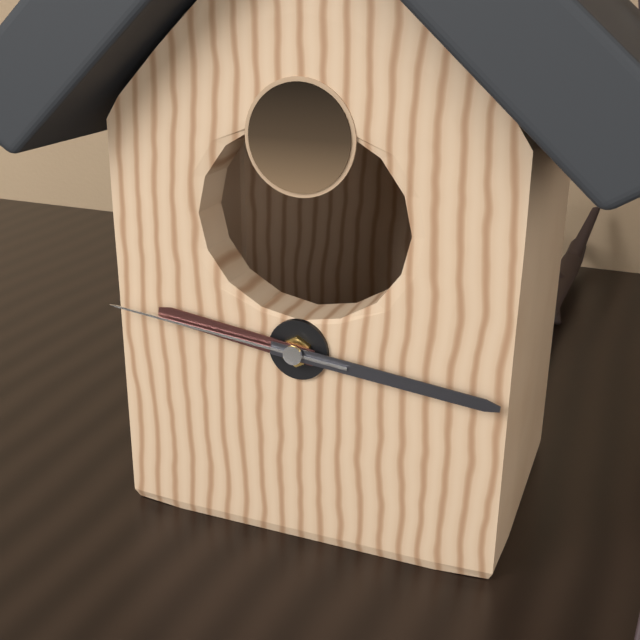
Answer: {"hour": 9, "minute": 16, "second": 46}
